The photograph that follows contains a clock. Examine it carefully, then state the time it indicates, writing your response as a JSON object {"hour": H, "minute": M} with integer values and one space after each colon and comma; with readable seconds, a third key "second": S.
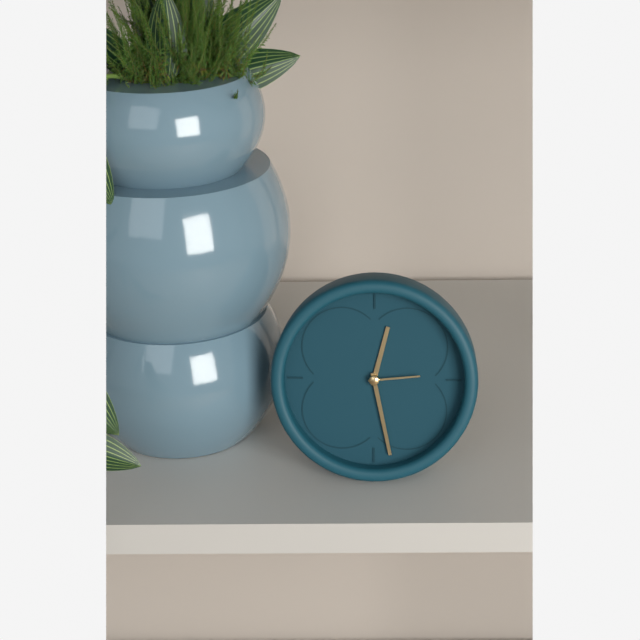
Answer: {"hour": 12, "minute": 28, "second": 14}
